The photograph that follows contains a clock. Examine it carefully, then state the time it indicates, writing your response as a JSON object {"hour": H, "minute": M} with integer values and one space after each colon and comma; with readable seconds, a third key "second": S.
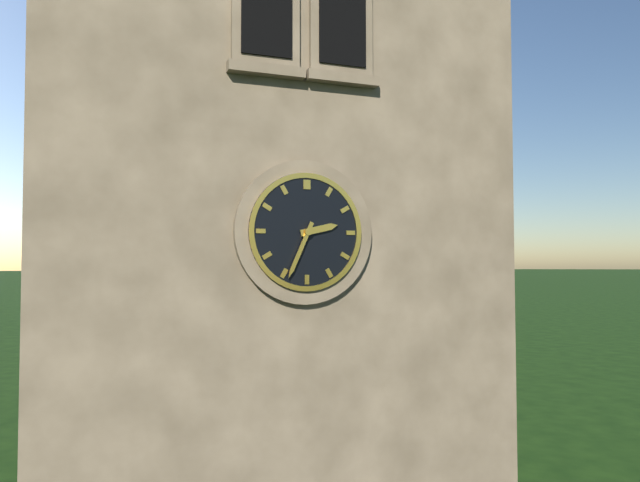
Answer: {"hour": 2, "minute": 34}
